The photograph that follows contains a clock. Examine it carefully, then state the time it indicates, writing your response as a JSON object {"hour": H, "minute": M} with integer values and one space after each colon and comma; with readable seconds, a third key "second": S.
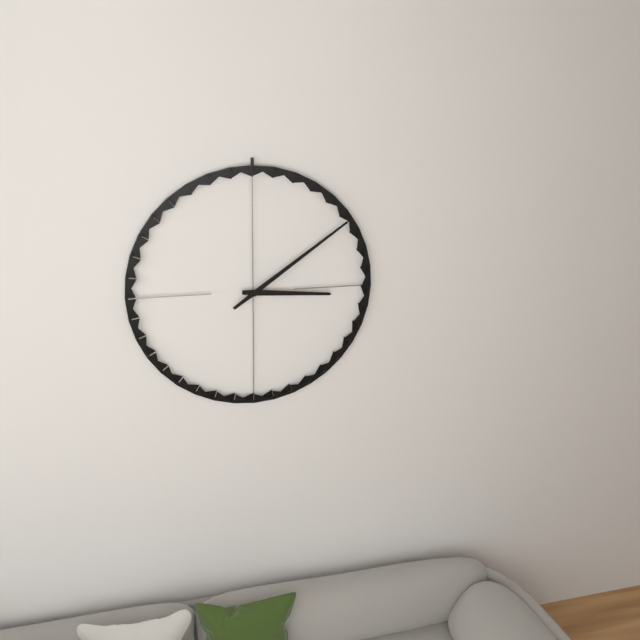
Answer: {"hour": 3, "minute": 9}
